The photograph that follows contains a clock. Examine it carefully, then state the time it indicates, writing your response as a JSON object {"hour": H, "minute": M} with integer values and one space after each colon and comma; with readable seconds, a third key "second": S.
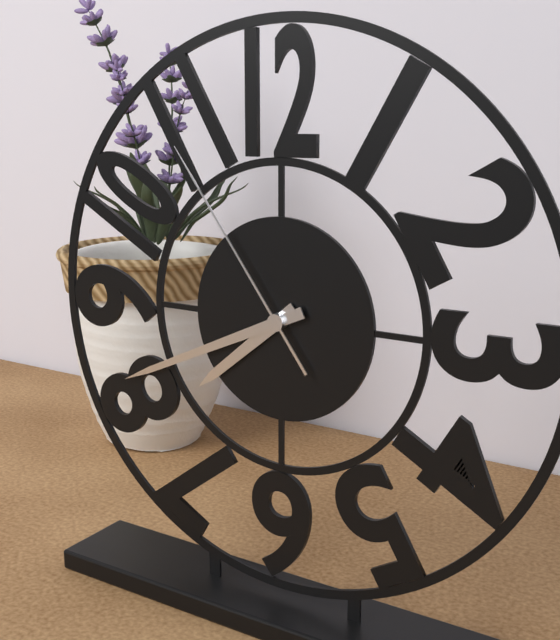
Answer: {"hour": 7, "minute": 41, "second": 54}
